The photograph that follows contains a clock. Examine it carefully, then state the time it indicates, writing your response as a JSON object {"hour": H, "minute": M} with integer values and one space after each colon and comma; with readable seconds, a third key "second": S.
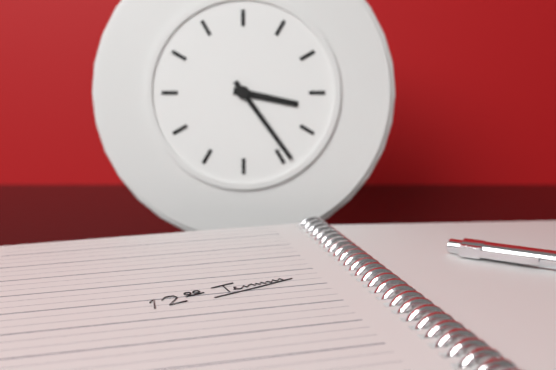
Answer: {"hour": 3, "minute": 24}
